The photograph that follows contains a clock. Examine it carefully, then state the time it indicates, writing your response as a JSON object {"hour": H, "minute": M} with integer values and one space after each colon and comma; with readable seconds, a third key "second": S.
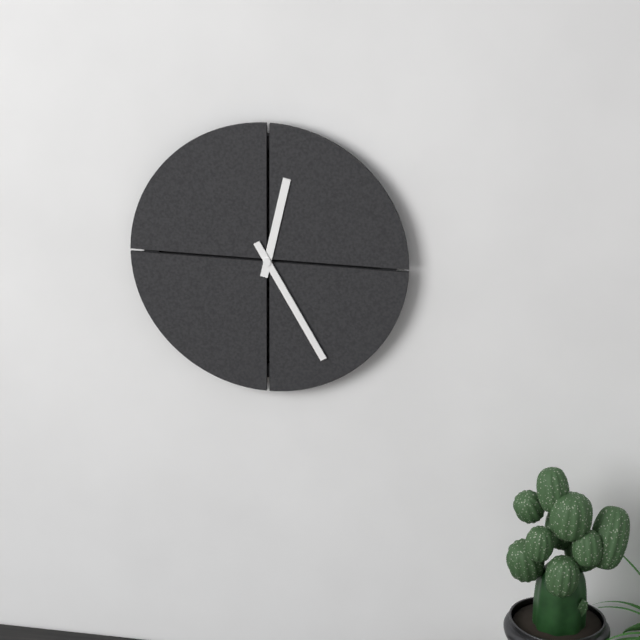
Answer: {"hour": 12, "minute": 25}
